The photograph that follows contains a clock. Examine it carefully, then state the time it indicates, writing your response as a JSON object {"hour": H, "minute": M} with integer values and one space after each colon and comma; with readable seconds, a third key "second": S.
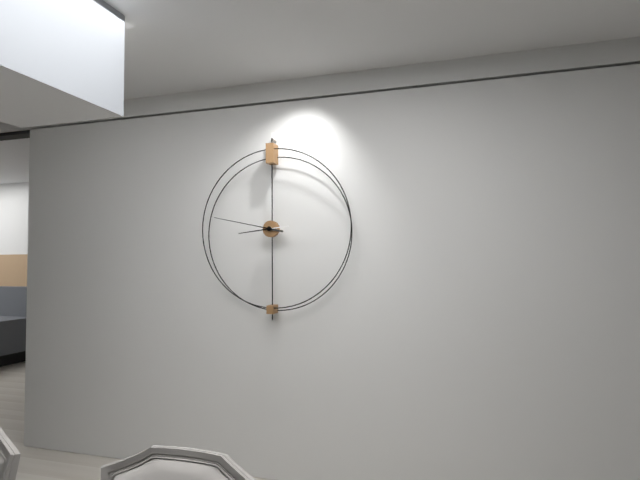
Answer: {"hour": 8, "minute": 47}
